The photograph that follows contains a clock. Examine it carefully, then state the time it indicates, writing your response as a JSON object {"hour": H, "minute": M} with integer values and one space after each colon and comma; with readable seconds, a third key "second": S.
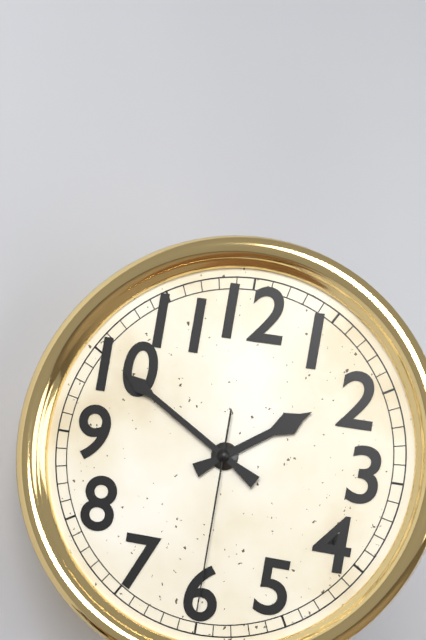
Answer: {"hour": 1, "minute": 50, "second": 30}
